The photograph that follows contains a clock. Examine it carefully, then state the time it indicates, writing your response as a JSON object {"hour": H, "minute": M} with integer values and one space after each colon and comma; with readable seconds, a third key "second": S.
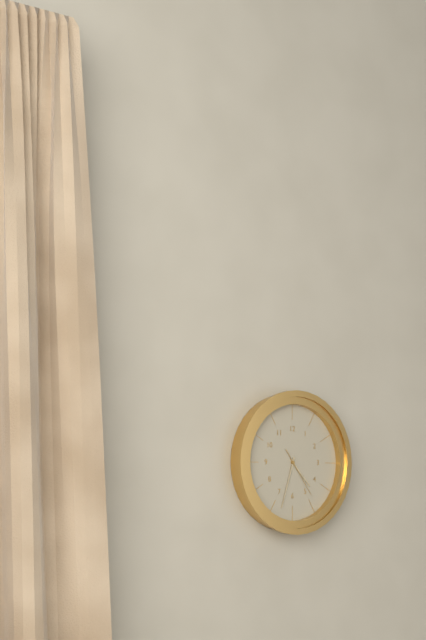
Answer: {"hour": 4, "minute": 33}
